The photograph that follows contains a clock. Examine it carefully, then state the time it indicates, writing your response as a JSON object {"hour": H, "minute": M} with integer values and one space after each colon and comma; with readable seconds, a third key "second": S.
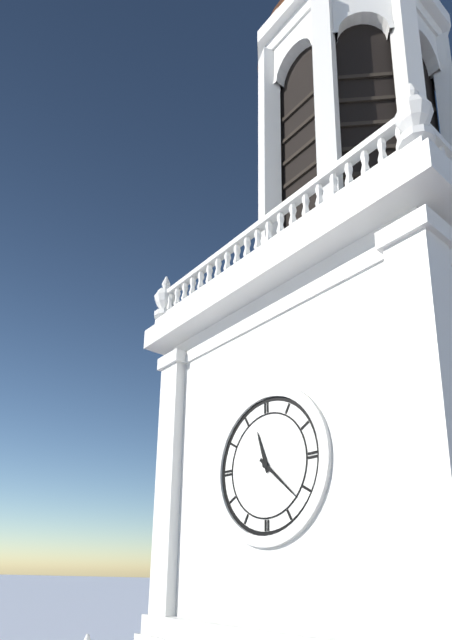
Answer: {"hour": 11, "minute": 22}
